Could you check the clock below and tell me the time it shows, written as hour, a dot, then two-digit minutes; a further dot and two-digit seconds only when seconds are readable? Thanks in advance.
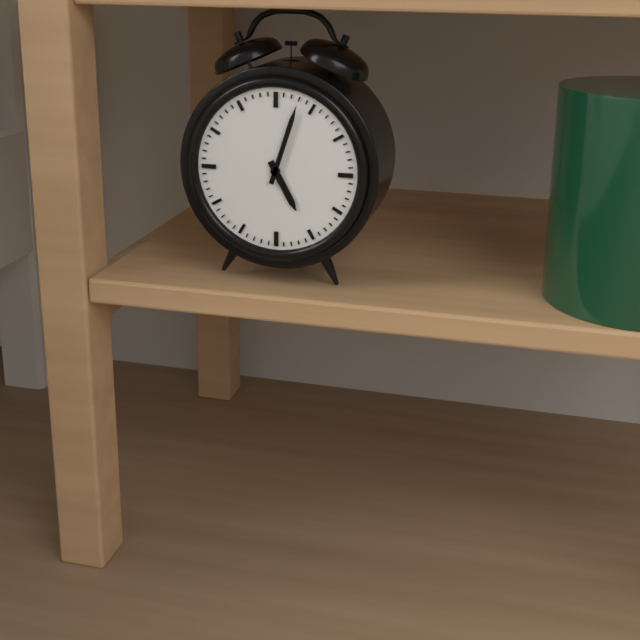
5.03
